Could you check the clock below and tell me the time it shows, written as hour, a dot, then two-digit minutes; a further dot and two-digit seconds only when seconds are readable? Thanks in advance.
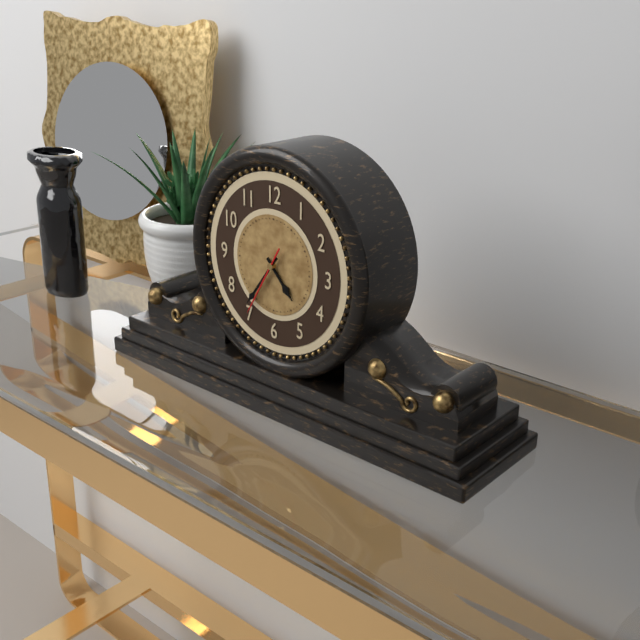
4.36.35
